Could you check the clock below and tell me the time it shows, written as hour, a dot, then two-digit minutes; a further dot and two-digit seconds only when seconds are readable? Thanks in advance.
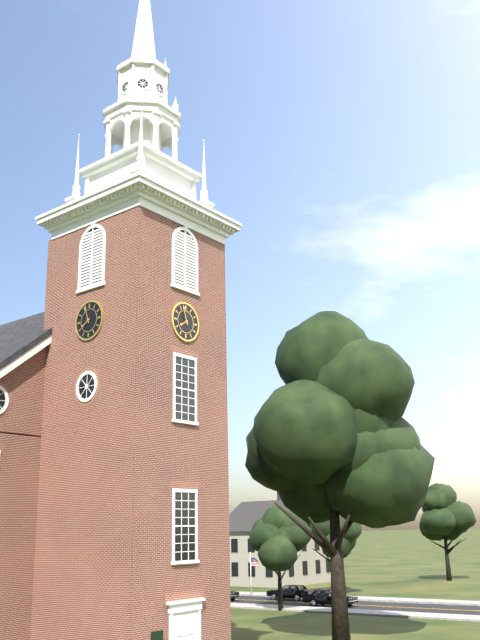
7.57
